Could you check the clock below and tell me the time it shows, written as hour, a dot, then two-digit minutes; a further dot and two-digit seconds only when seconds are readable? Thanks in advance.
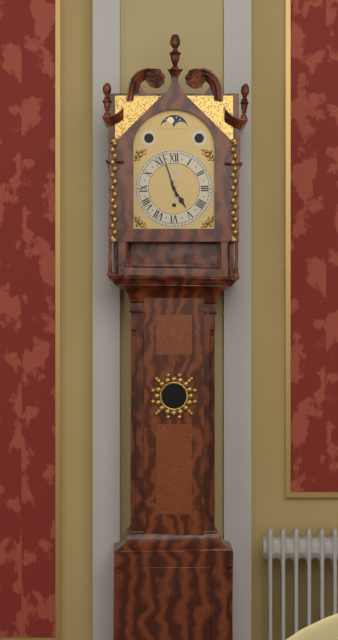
4.57
